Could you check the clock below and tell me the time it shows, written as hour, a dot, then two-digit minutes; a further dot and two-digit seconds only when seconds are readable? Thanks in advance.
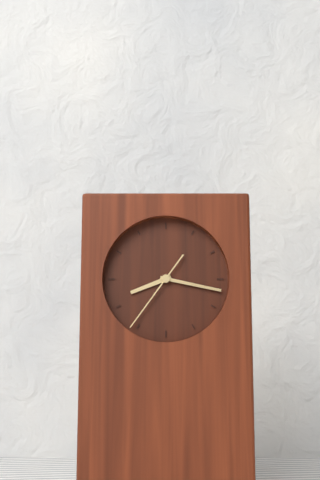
8.17.36
